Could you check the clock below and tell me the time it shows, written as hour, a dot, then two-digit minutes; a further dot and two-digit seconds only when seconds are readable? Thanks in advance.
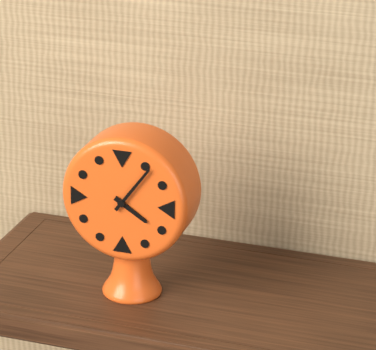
4.06
